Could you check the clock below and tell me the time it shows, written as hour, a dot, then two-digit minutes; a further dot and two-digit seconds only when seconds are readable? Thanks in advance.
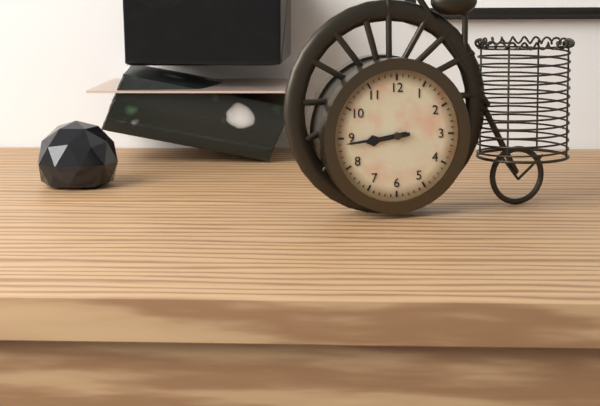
8.44
